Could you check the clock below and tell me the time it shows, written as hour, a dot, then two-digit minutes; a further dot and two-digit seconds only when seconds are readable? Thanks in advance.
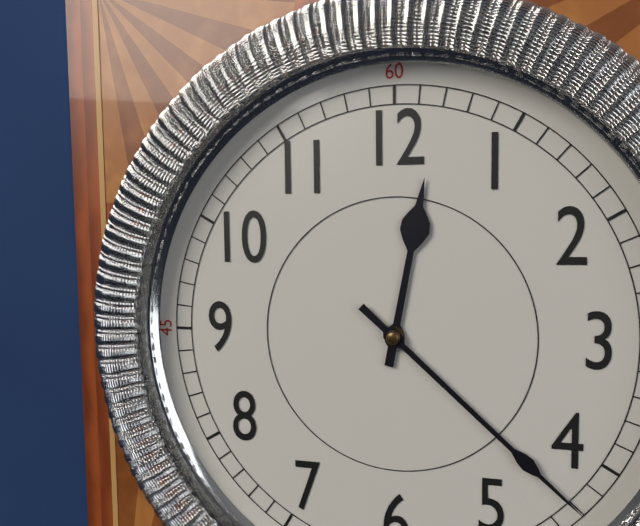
12.22
